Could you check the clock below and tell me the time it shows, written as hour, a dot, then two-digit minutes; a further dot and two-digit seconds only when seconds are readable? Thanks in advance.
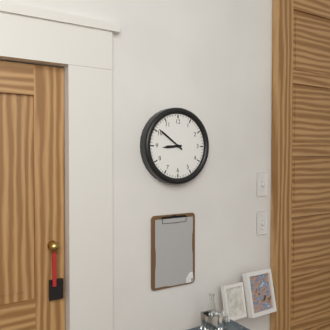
8.51
